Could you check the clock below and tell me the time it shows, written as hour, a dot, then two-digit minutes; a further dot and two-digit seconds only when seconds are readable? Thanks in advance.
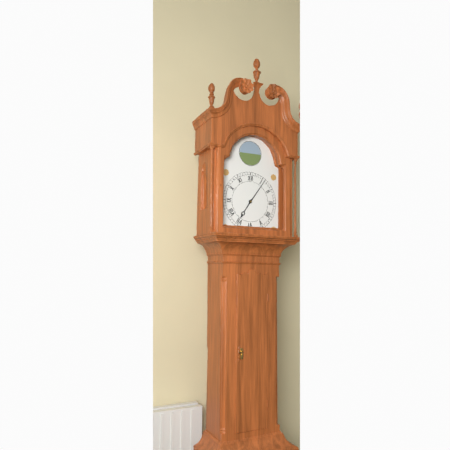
7.06
